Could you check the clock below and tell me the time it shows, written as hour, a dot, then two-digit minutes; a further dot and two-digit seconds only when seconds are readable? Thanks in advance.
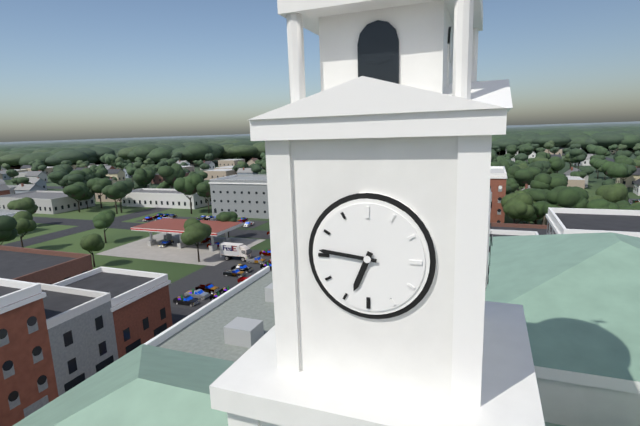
6.46
